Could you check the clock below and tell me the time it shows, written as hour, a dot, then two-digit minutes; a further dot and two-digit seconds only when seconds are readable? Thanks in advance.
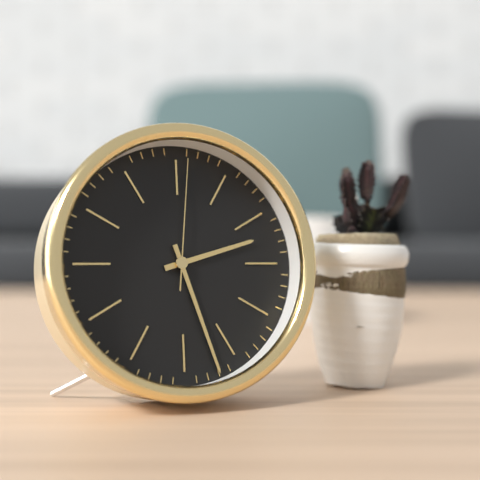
2.27.01
